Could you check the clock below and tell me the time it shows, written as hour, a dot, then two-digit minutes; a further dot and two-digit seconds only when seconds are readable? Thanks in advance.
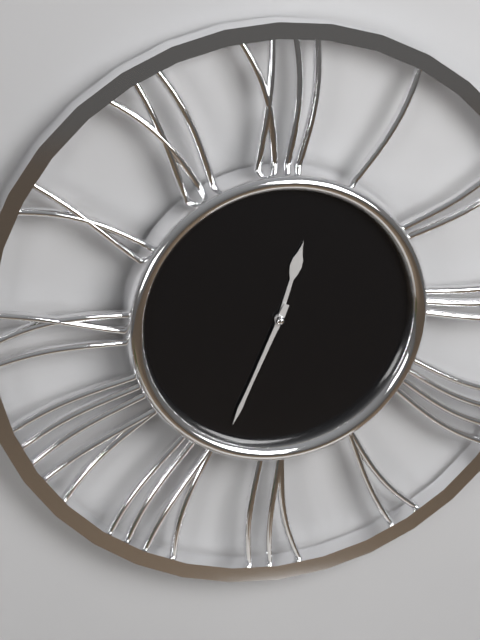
12.34
